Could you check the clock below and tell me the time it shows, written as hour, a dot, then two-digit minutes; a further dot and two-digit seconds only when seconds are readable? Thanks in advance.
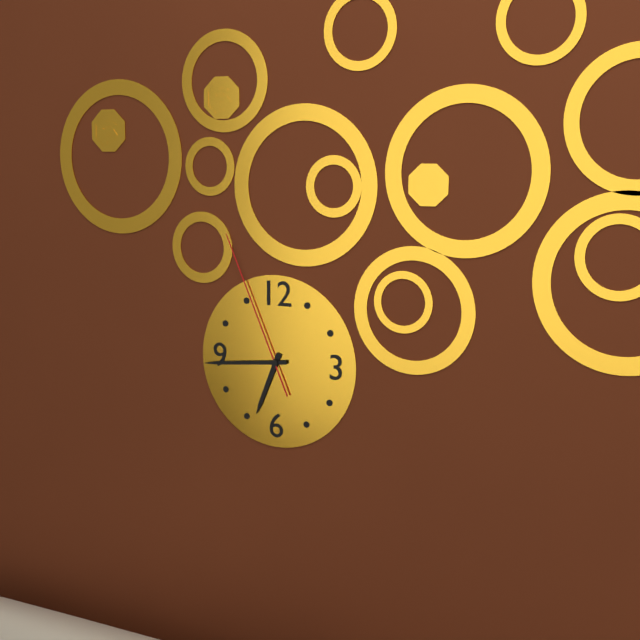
6.44.56
